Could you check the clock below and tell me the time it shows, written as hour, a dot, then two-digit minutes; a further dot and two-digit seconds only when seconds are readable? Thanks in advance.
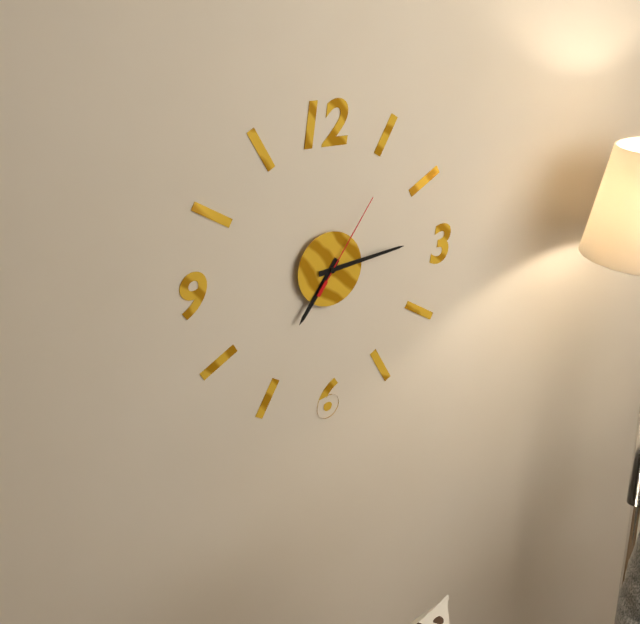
7.14.06
